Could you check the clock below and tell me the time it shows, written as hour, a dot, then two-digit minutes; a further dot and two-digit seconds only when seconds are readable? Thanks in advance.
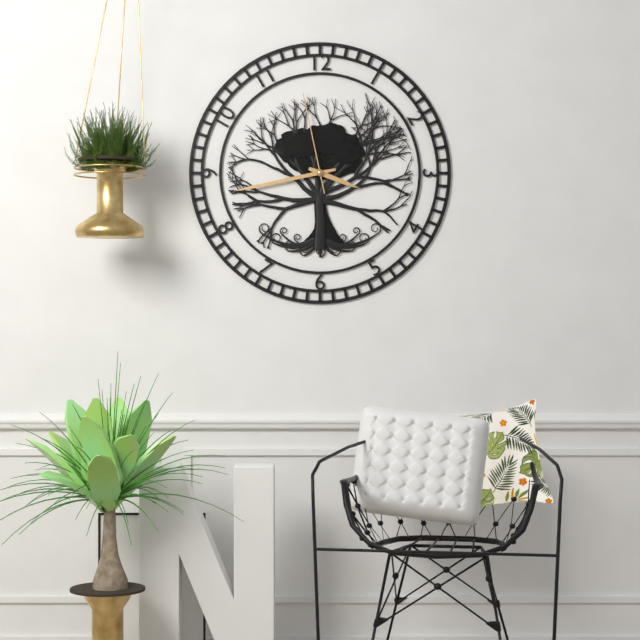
3.43.58
